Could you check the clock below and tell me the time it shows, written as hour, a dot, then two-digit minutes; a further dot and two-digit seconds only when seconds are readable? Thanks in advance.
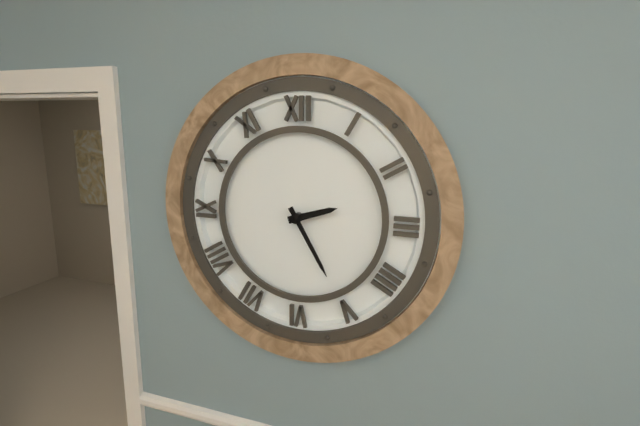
2.25
